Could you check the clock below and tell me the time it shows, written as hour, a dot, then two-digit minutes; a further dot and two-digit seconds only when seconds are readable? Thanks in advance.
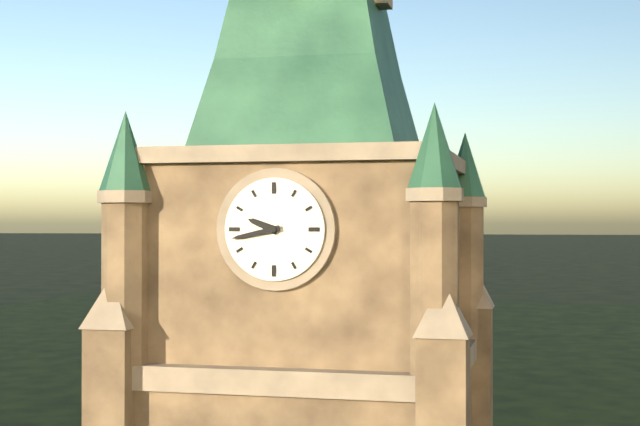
9.43
